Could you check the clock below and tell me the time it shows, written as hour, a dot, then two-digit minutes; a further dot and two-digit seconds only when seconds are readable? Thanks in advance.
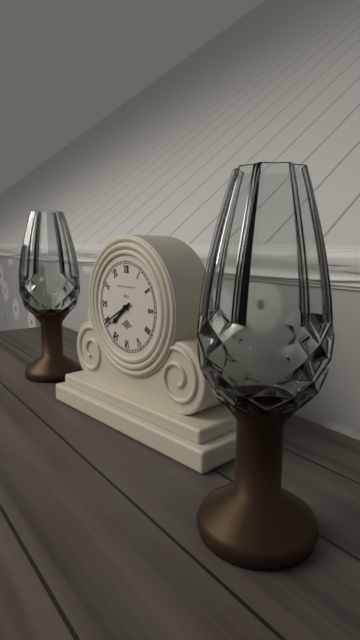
7.40
